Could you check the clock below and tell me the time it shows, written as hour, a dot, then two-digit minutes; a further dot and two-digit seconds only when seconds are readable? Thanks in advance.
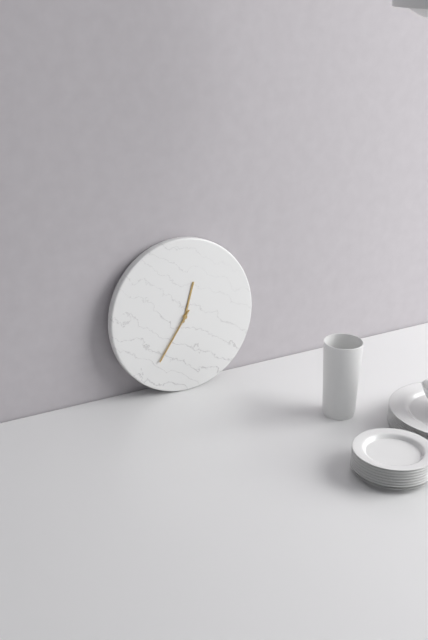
12.36
